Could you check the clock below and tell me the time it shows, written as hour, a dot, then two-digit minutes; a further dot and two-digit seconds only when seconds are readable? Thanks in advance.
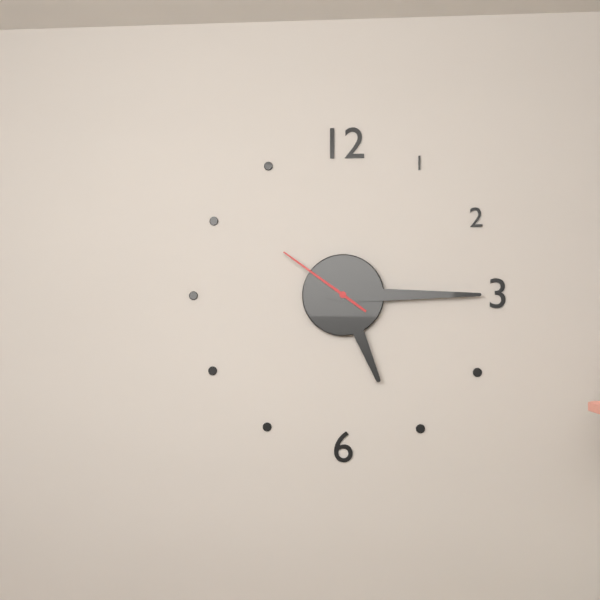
5.15.51
